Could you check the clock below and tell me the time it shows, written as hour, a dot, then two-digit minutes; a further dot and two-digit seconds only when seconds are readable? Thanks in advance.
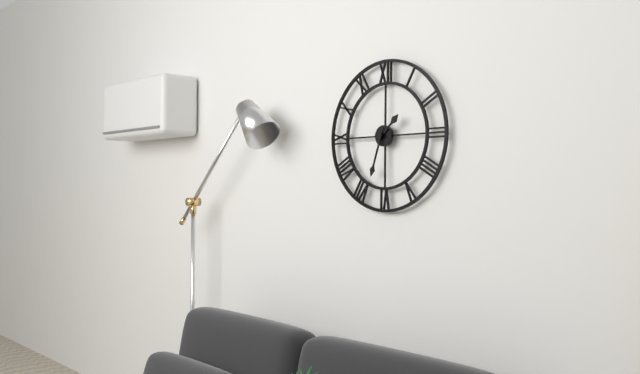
1.33
